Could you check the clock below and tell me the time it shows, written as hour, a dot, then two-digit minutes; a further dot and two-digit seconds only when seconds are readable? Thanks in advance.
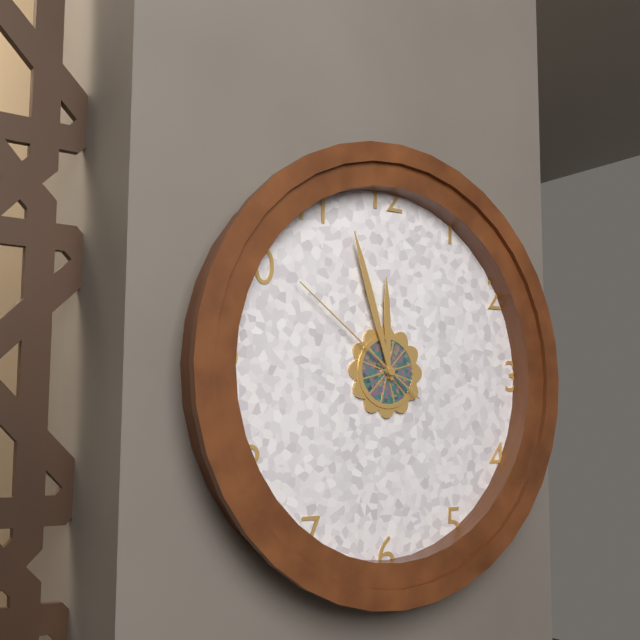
11.57.51
